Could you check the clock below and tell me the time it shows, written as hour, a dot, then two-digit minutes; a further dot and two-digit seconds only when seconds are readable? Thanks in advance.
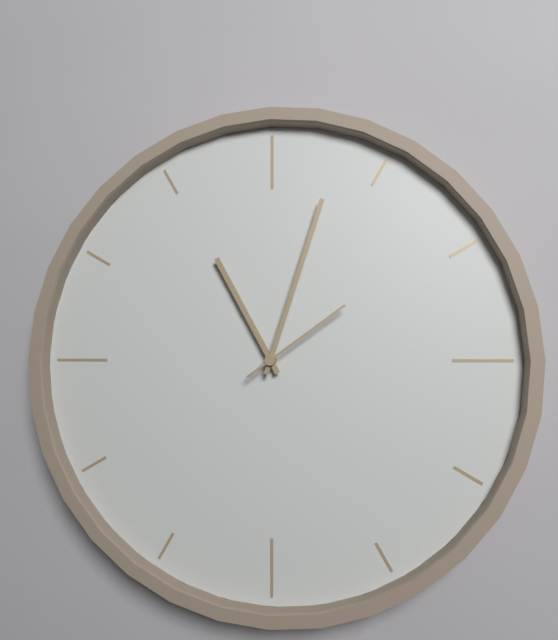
11.03.09
